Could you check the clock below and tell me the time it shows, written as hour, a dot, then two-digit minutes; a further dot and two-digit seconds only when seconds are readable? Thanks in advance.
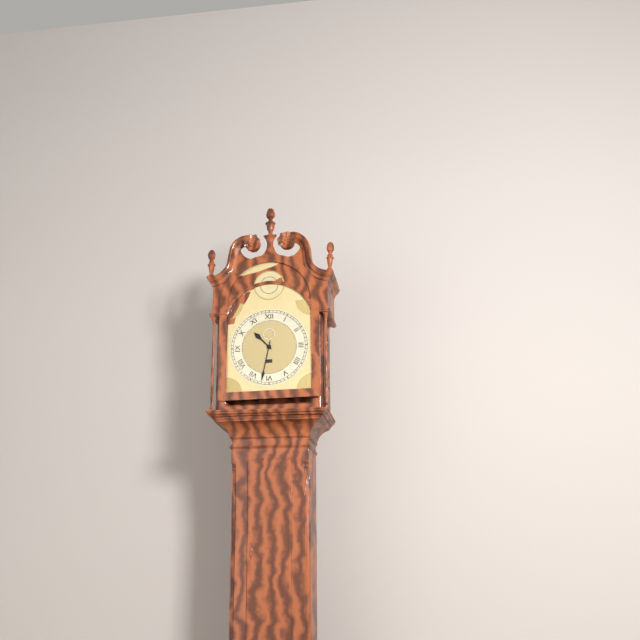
10.32
